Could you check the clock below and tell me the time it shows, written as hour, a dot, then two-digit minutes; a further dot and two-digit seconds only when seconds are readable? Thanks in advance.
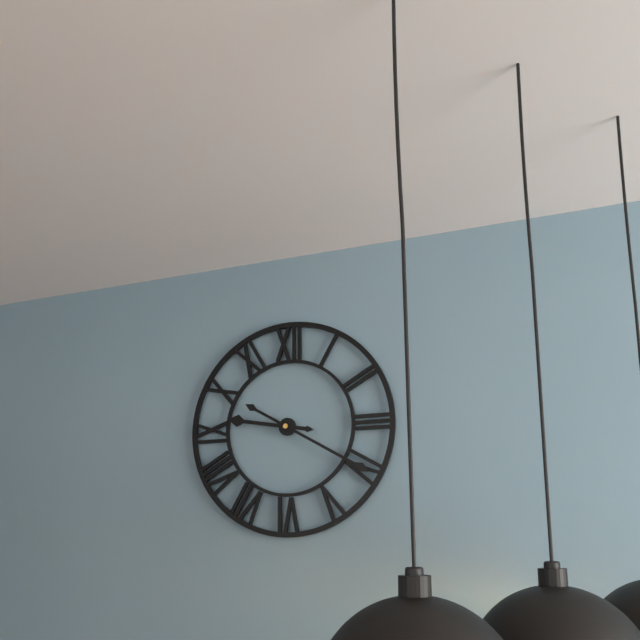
9.20
